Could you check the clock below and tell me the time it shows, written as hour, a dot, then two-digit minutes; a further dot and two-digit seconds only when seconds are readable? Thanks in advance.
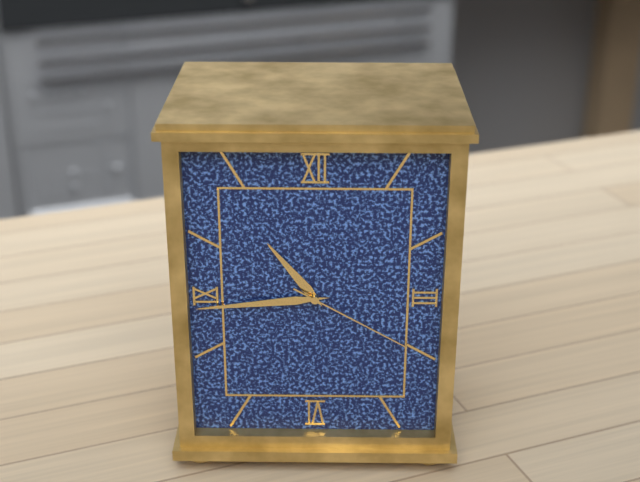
10.44.20
